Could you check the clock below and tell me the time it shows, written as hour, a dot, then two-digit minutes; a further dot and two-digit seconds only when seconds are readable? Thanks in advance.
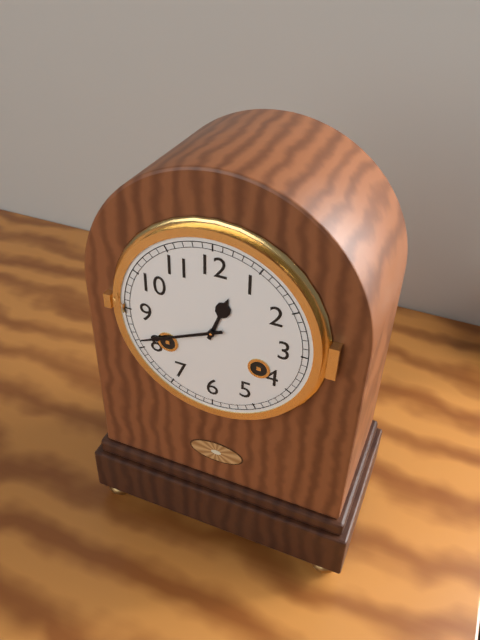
12.41
